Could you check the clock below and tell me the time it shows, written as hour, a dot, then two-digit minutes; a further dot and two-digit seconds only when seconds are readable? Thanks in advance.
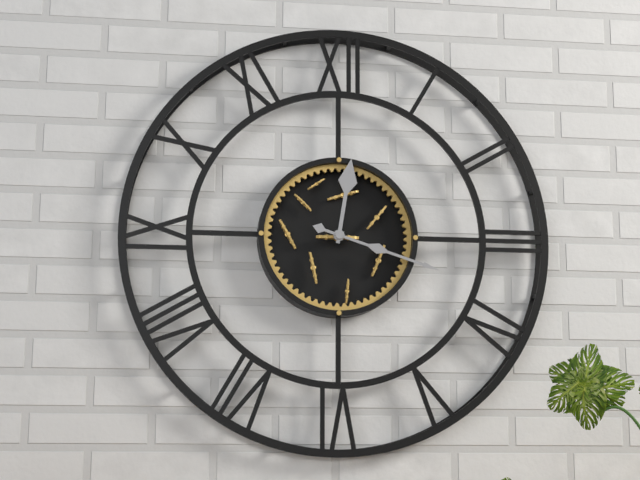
12.18
